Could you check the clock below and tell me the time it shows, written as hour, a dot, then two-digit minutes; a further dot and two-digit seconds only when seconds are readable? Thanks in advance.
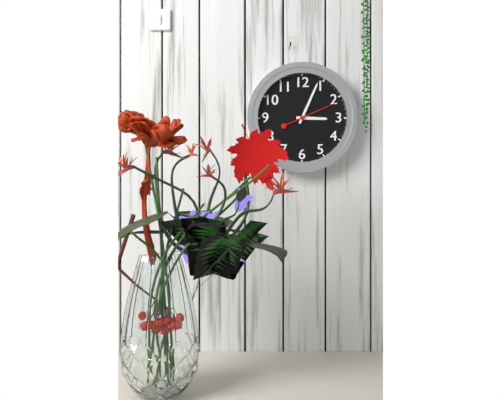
3.04
